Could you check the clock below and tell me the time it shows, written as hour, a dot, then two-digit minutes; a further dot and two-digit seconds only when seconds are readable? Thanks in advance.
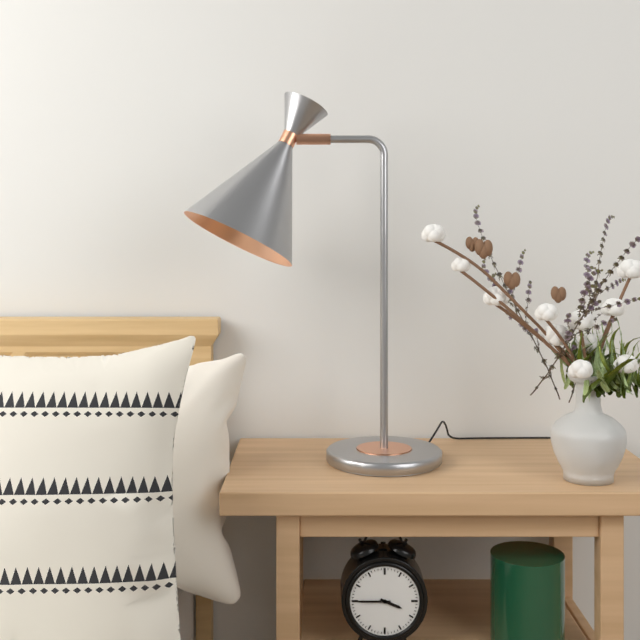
3.45
